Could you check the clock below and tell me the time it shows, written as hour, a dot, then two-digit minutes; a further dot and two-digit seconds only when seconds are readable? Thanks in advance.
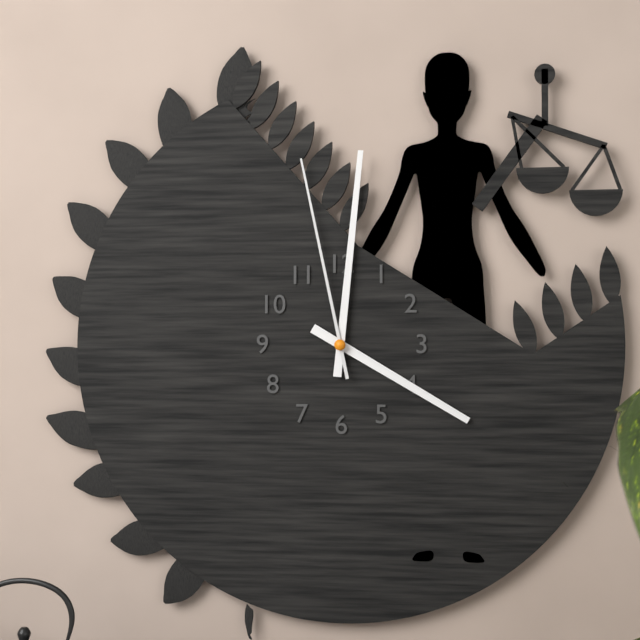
4.01.58
